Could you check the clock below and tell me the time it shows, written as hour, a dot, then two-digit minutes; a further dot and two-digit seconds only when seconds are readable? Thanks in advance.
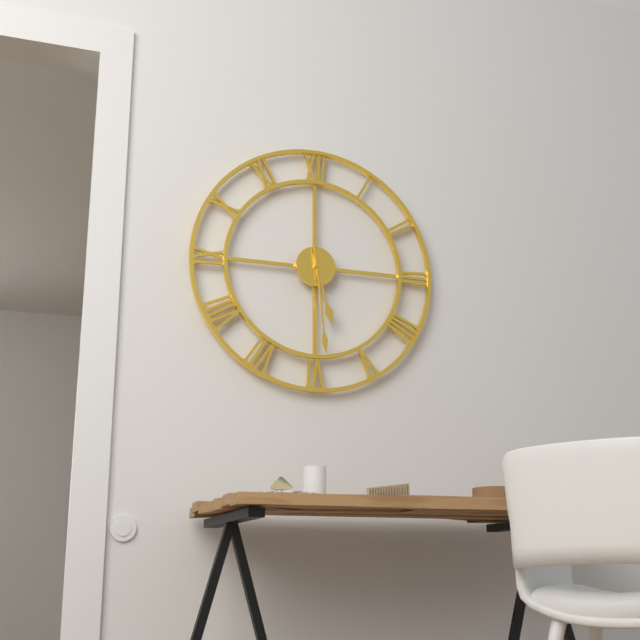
5.29
